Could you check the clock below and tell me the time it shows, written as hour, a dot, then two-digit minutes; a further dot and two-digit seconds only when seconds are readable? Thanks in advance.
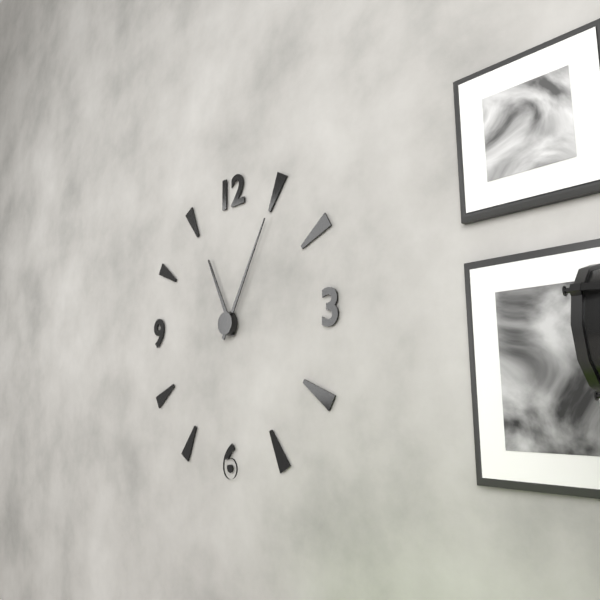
11.05
